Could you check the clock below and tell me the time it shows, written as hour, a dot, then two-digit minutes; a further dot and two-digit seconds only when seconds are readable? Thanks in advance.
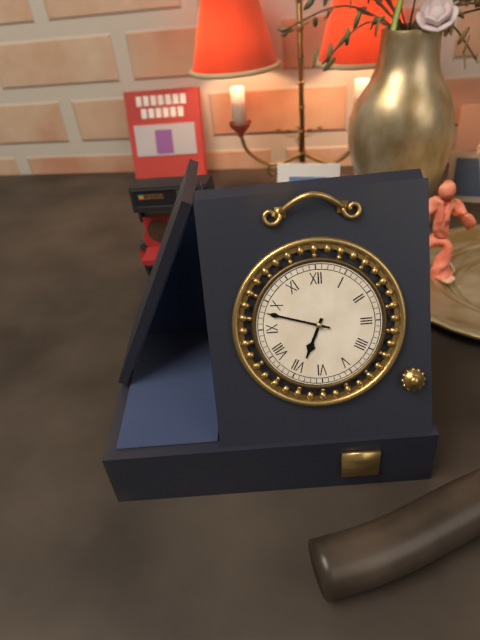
6.48
